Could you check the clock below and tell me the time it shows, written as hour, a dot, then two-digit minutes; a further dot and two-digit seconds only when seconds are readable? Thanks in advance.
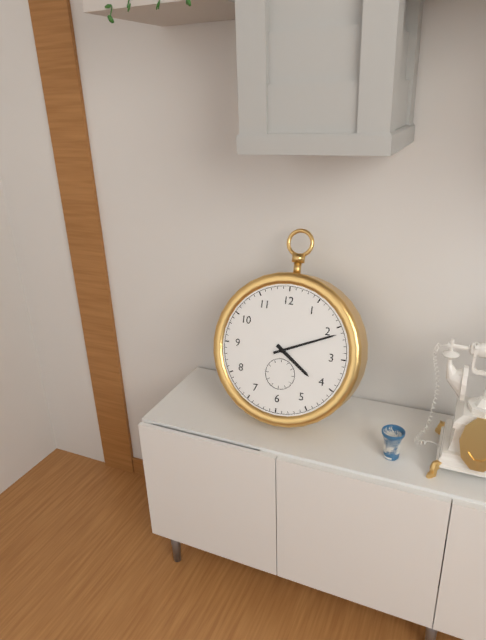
4.11
